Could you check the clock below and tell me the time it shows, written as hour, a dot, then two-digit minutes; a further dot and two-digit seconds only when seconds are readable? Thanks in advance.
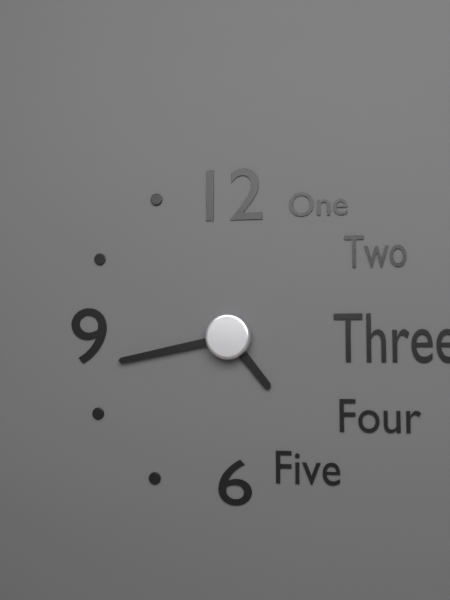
4.43
